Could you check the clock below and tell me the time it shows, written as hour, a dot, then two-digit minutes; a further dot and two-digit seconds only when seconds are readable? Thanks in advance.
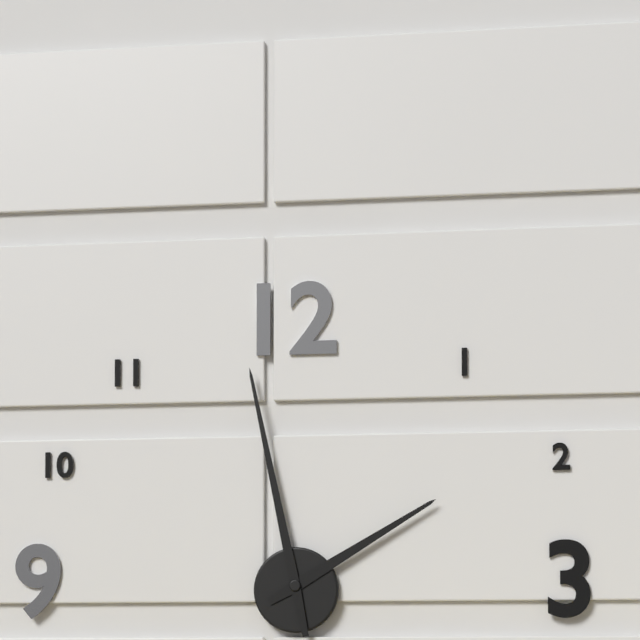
1.58
